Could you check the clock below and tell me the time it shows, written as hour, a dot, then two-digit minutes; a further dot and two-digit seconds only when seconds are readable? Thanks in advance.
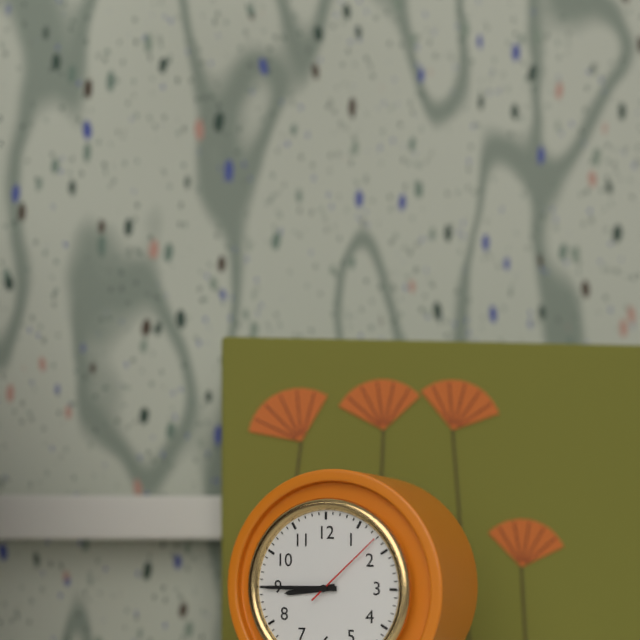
8.45.08
